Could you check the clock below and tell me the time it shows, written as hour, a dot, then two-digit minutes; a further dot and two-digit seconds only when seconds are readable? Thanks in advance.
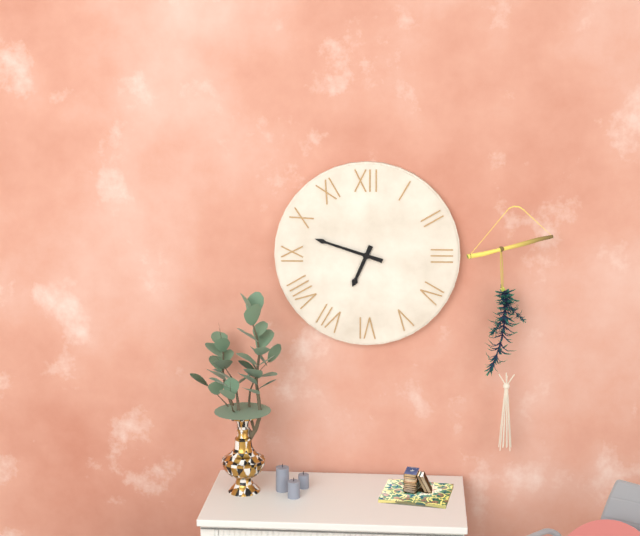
6.48
